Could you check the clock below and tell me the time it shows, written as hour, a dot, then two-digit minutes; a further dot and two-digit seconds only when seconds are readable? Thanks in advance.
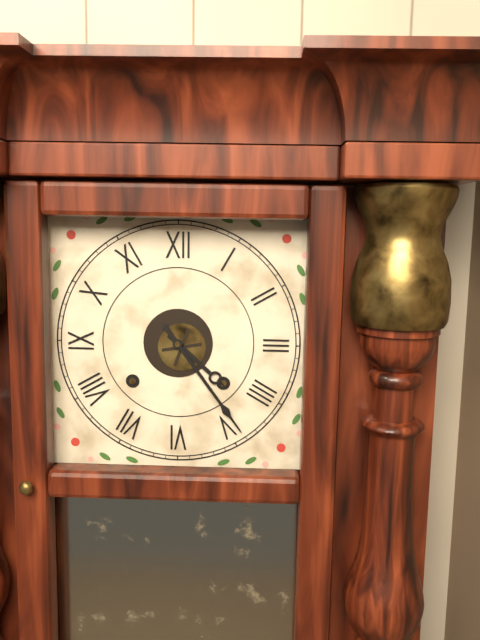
4.24
